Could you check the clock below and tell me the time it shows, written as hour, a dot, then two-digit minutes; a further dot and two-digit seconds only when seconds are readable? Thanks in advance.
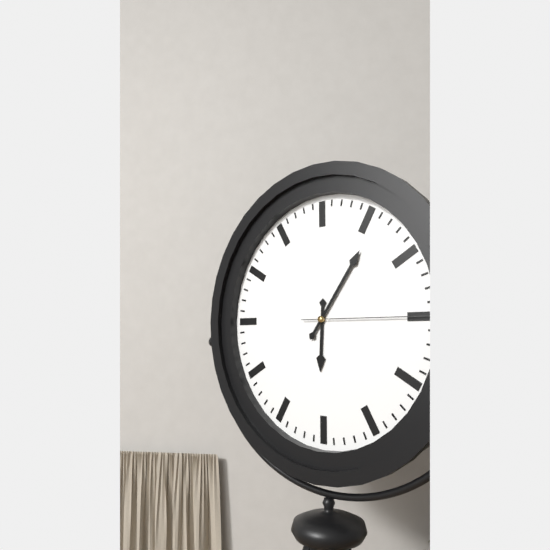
6.06.15
